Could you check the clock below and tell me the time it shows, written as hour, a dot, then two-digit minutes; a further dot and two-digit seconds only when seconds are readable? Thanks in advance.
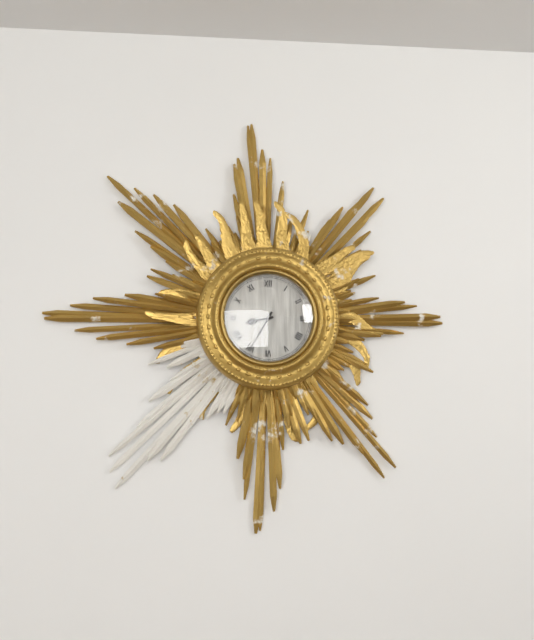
8.35
